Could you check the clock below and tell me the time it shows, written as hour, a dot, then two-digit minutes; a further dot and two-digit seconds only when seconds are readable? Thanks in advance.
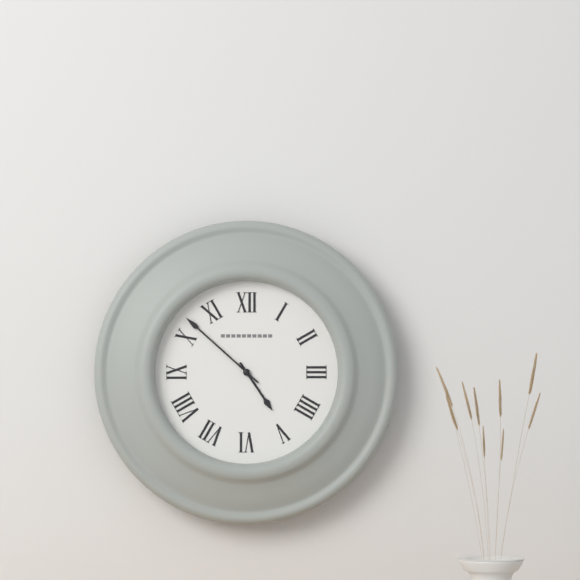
4.52
